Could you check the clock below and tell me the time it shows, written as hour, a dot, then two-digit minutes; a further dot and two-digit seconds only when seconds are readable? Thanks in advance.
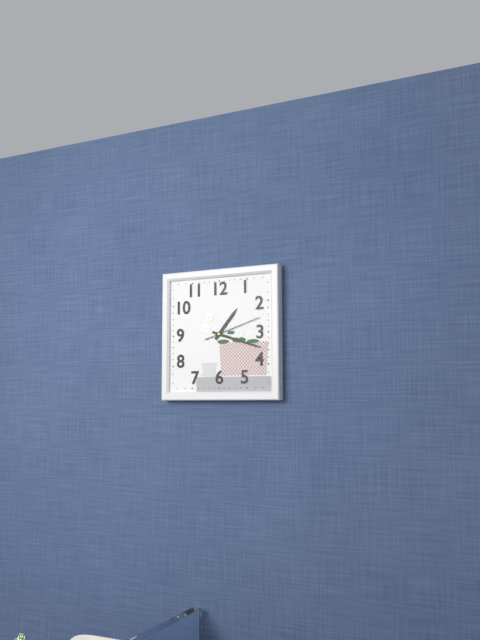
1.18.12
